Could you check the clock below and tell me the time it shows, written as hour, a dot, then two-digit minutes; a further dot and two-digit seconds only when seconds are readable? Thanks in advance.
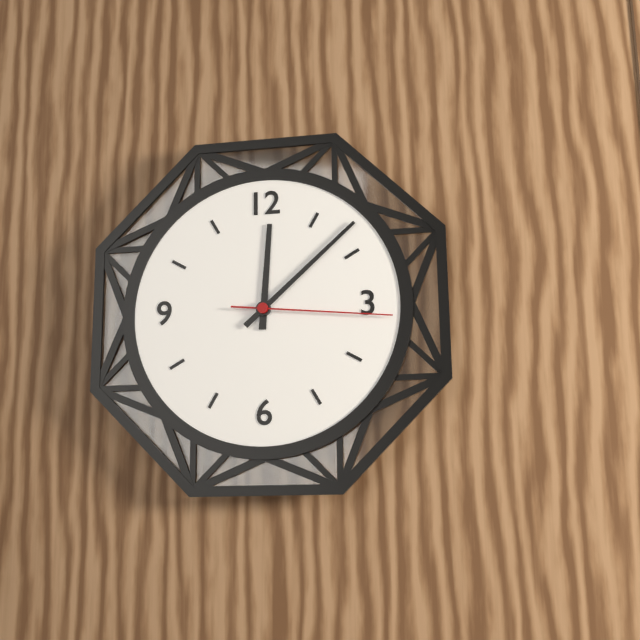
12.08.16
